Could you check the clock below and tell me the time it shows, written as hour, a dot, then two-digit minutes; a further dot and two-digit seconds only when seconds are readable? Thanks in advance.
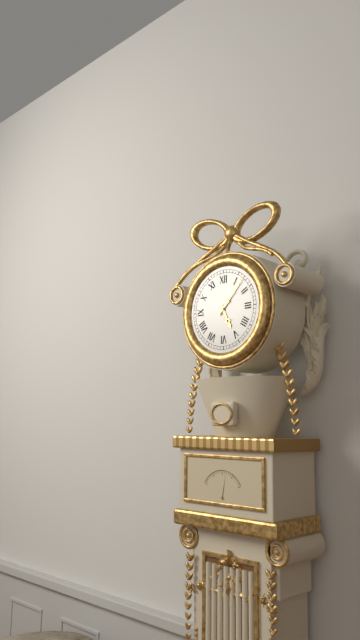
5.07
